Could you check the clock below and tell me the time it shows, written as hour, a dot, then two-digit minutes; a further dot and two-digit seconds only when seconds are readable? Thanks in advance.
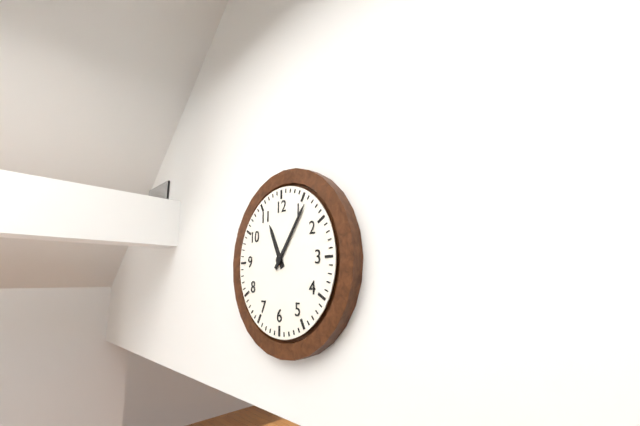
11.06
